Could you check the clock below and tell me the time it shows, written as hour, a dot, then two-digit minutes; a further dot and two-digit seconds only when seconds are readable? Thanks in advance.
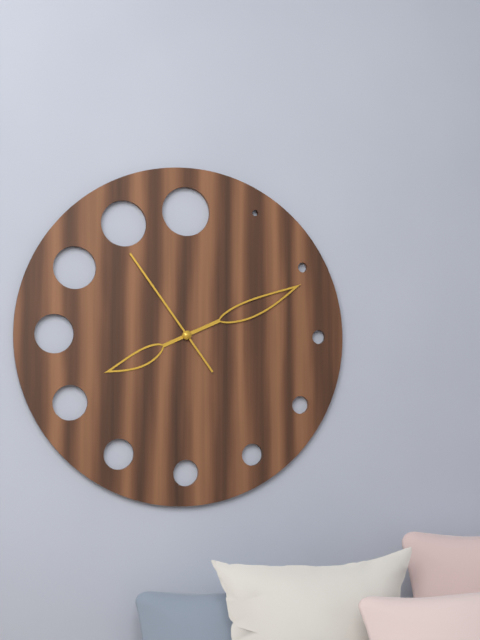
8.11.54
